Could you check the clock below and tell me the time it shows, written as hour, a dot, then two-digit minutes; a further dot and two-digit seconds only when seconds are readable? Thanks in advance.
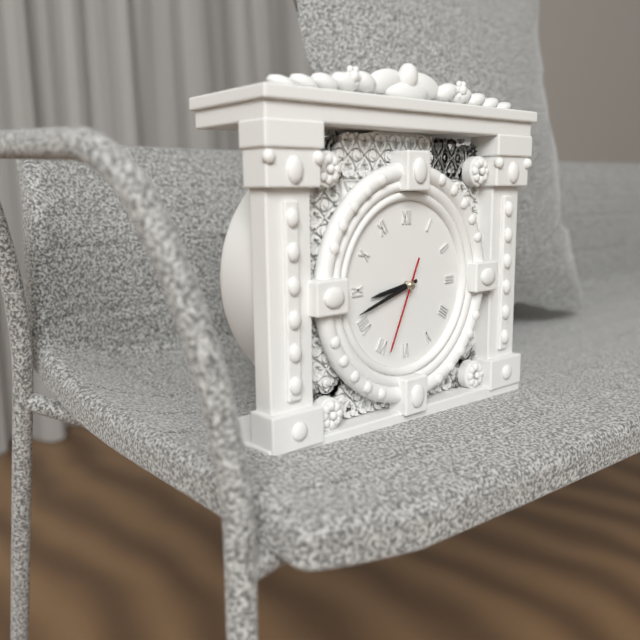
8.42.34
